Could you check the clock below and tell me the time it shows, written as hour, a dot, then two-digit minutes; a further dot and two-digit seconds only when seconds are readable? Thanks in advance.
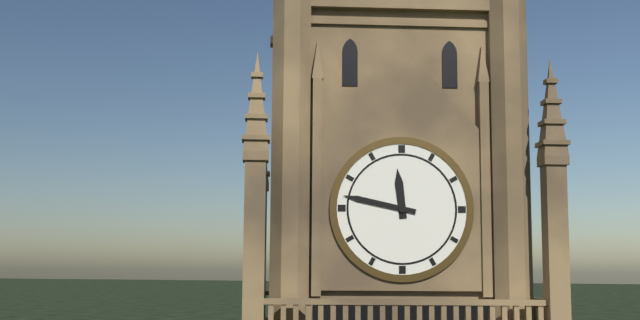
11.47
